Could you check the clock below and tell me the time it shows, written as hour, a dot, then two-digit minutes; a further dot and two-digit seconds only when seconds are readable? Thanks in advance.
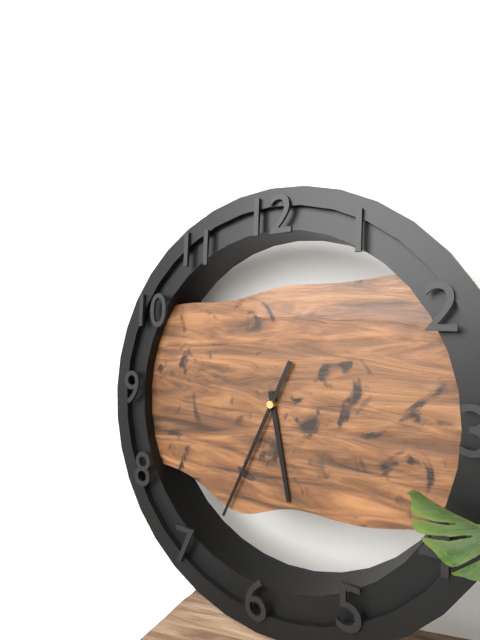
5.34
